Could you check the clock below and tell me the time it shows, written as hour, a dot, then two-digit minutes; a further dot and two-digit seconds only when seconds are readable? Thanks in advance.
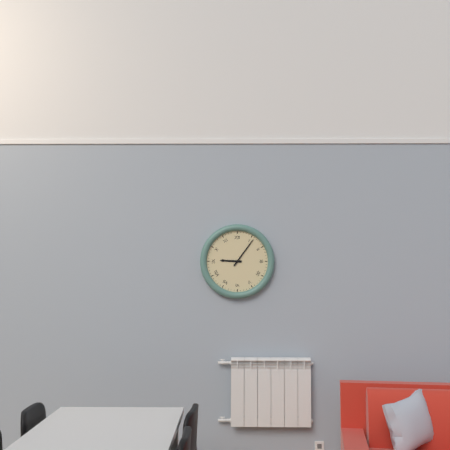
9.06
